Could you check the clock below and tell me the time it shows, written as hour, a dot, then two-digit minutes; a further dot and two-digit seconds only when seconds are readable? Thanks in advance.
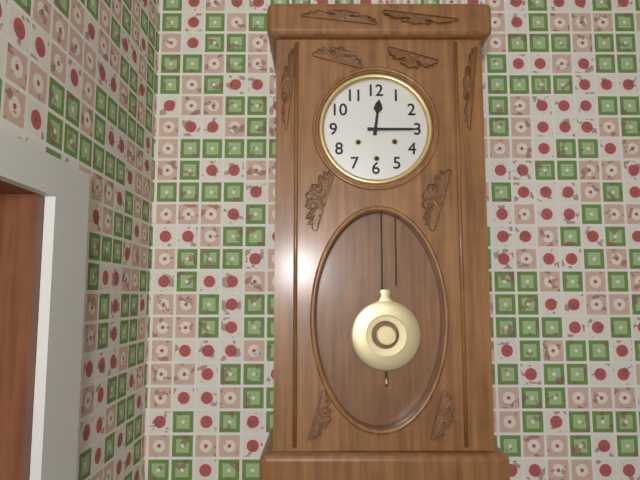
12.15
